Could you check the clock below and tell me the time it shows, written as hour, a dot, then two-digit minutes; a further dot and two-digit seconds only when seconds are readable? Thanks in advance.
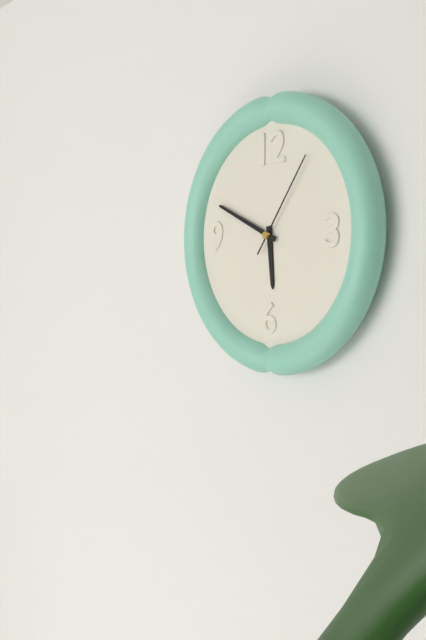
5.49.06
